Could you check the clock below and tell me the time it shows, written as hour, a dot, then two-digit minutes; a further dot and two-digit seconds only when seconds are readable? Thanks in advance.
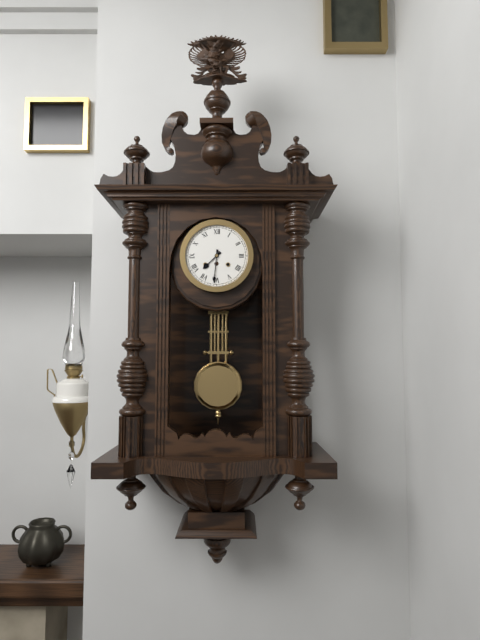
7.31
